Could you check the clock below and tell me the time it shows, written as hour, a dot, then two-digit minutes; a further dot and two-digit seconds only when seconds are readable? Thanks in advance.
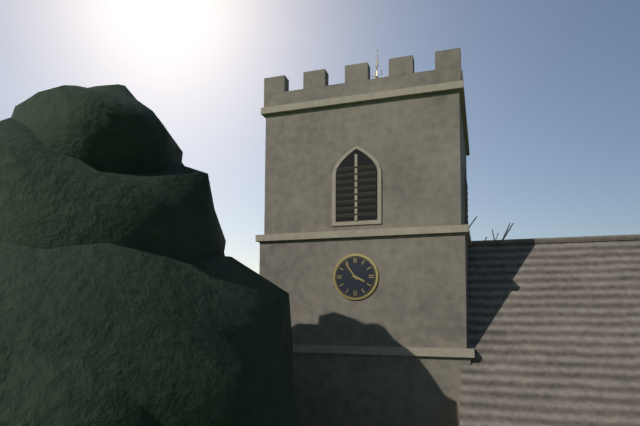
3.54
